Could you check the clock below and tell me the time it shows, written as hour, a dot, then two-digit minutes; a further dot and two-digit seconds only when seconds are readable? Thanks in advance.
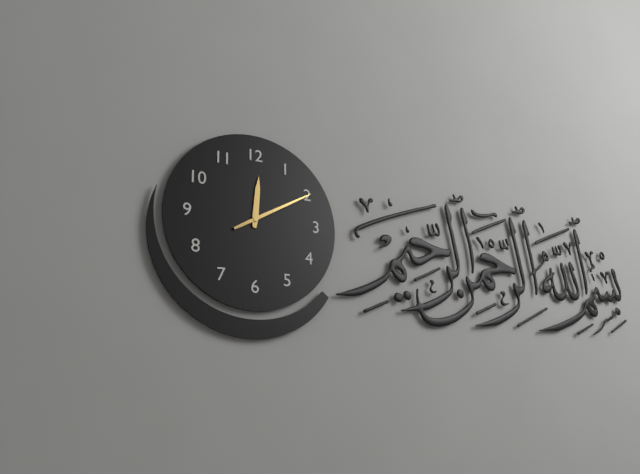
12.10
